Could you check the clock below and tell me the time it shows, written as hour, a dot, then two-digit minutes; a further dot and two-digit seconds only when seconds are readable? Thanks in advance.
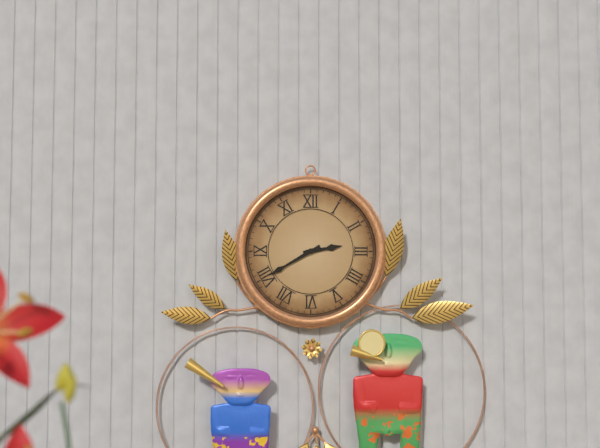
2.40
